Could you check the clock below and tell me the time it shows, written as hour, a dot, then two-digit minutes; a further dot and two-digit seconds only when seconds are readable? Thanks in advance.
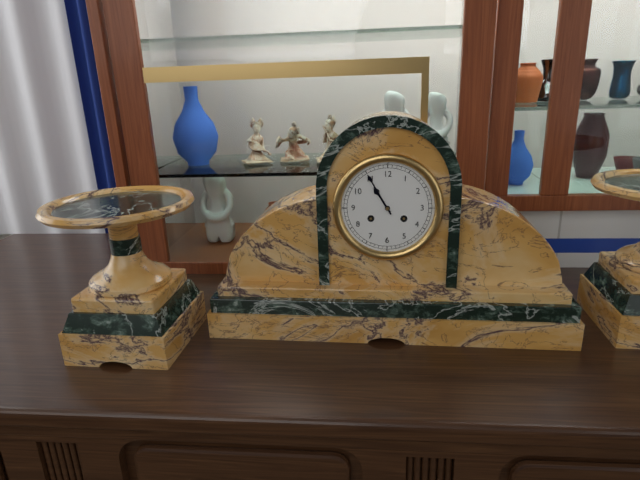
10.55
